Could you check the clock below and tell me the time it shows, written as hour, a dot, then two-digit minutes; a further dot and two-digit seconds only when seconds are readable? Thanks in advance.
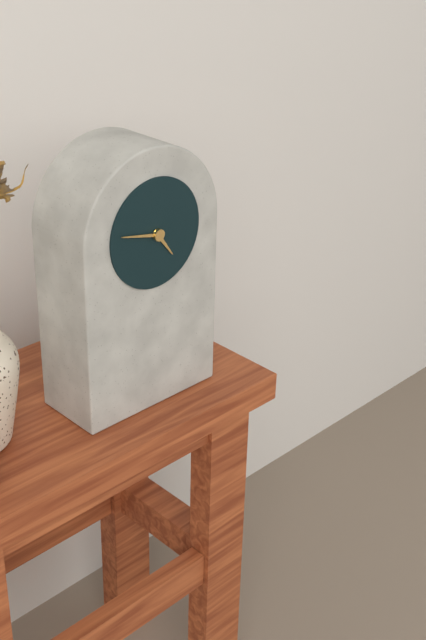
4.47
